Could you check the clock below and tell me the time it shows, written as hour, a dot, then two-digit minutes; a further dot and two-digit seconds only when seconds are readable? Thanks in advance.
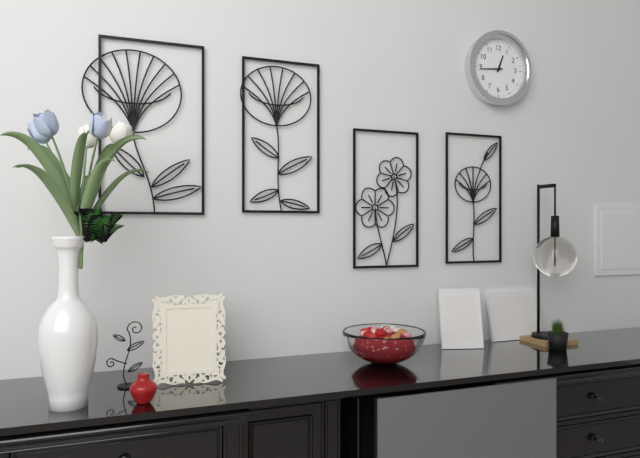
12.44
